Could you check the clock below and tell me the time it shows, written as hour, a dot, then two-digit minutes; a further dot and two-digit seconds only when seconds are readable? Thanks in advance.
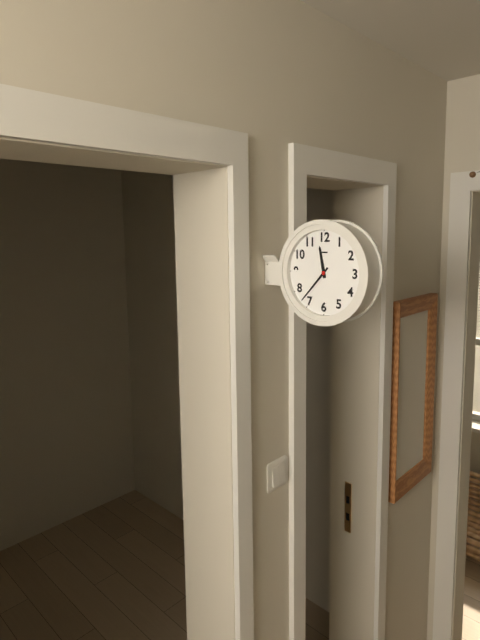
11.37
